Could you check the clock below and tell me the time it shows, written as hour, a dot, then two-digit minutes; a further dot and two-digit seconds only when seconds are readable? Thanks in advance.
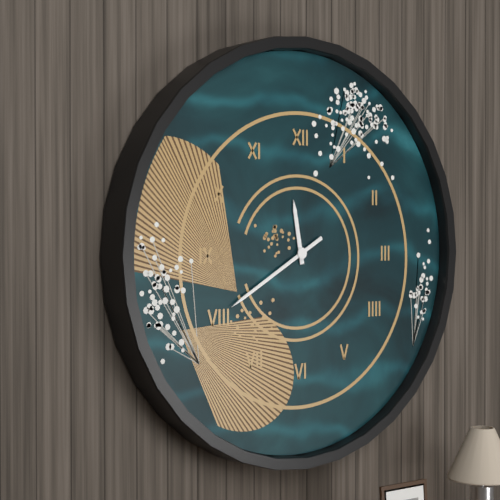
11.40
